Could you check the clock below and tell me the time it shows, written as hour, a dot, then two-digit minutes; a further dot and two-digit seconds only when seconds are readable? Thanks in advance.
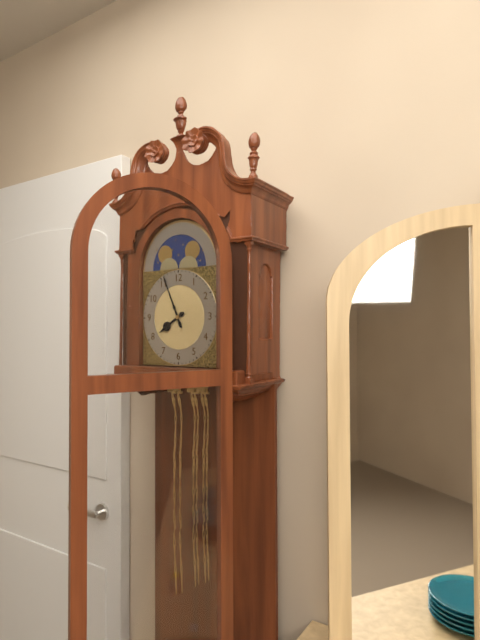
7.56
